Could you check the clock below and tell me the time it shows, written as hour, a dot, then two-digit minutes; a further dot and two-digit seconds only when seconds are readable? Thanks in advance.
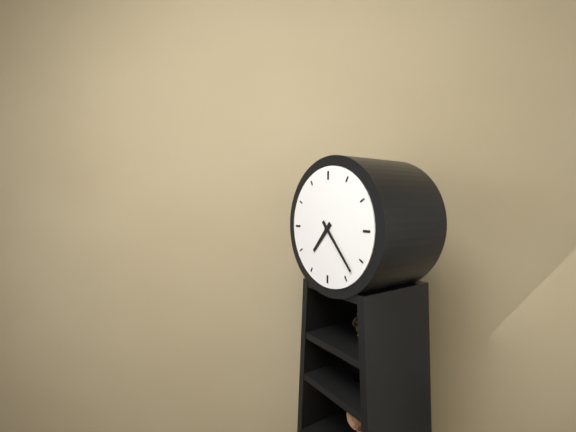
7.23
